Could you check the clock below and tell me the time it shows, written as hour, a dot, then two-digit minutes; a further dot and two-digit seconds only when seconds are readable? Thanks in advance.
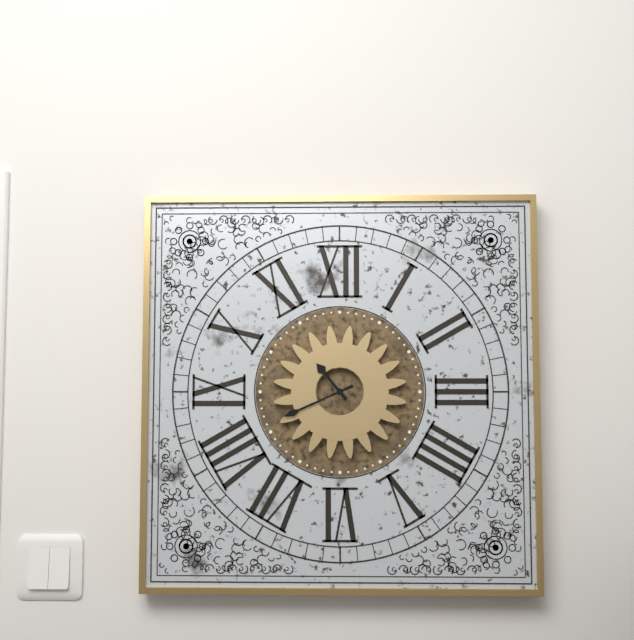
10.41
